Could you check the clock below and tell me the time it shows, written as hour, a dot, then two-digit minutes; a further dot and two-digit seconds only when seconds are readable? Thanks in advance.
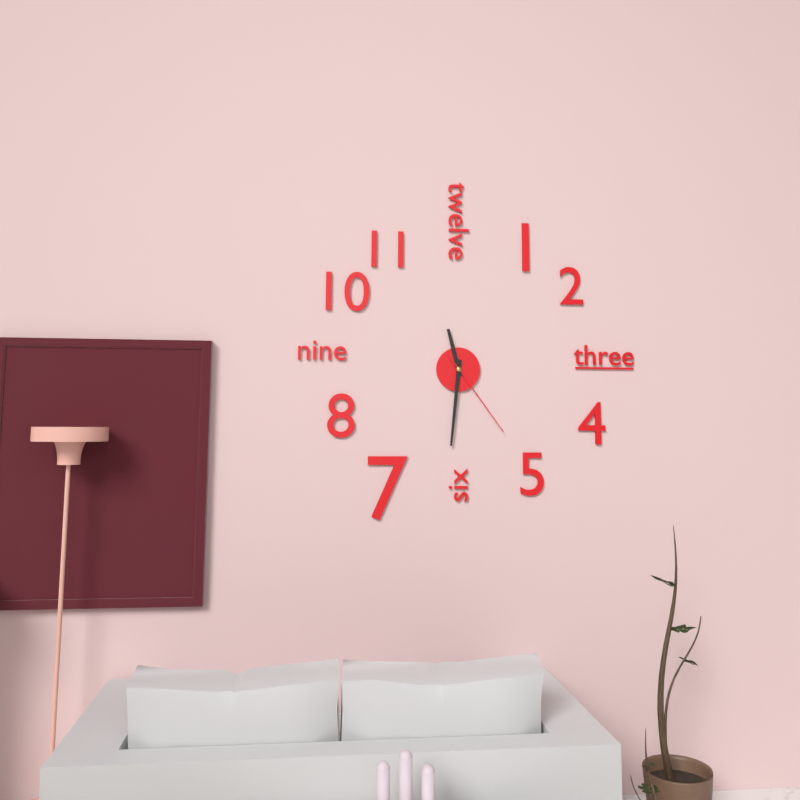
11.31.24
